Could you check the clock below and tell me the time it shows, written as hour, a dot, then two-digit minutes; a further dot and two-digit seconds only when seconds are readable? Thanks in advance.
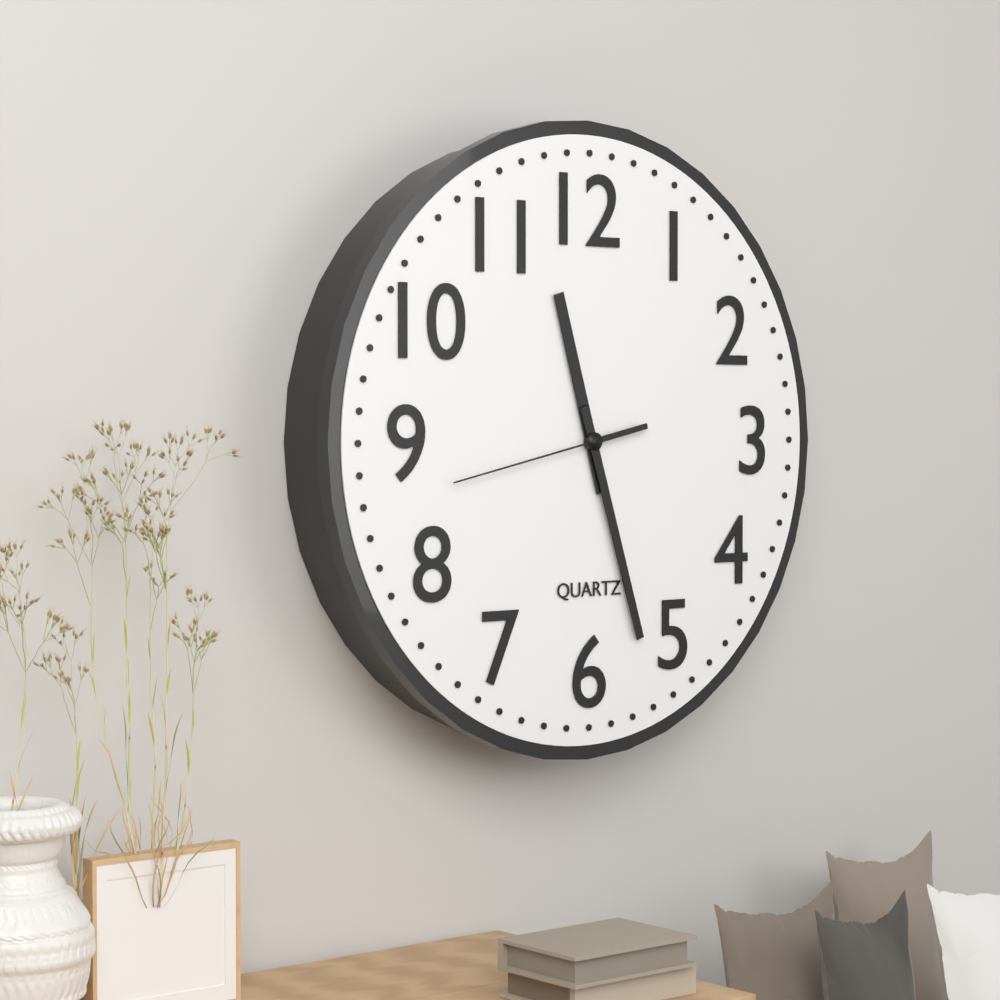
11.27.43
